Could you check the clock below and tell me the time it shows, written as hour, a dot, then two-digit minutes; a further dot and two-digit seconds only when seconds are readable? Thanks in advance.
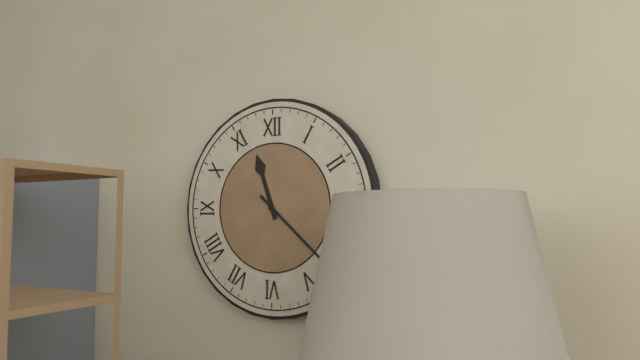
11.22
